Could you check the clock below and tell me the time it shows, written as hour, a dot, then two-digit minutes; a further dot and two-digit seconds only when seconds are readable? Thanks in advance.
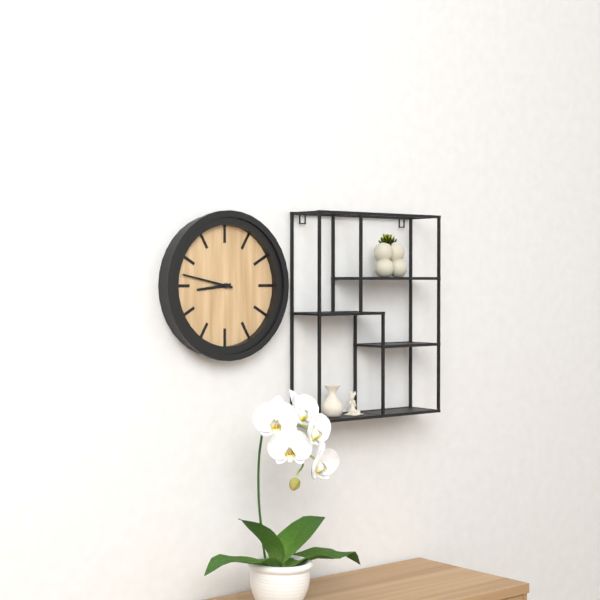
8.47
